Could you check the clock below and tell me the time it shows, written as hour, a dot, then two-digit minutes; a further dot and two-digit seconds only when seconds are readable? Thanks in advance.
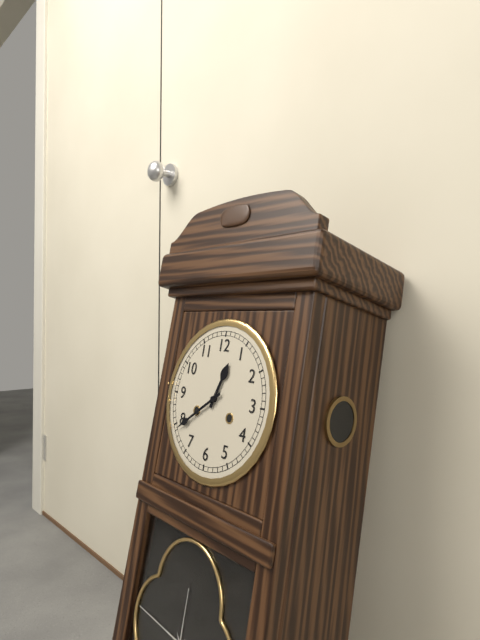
12.39
